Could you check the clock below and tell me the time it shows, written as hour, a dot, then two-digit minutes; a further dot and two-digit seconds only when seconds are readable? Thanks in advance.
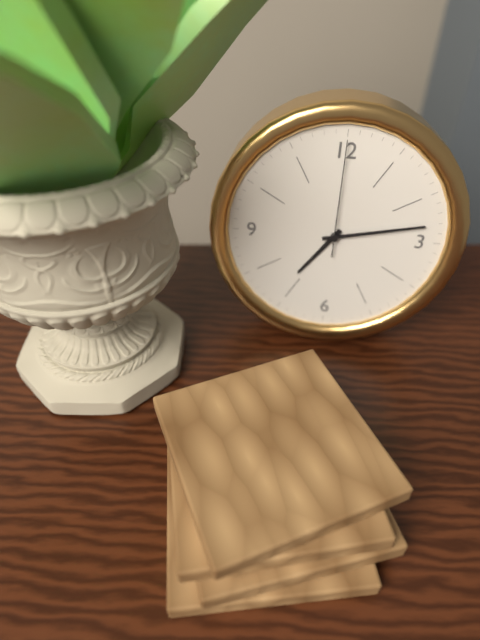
7.13.00
